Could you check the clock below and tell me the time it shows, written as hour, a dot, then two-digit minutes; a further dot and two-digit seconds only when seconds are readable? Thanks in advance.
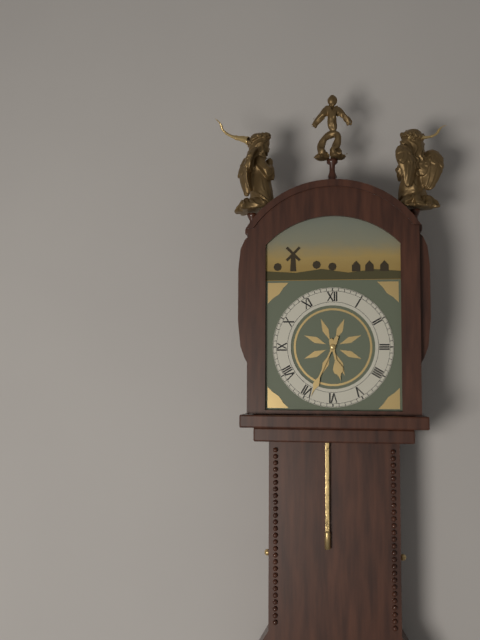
5.34
